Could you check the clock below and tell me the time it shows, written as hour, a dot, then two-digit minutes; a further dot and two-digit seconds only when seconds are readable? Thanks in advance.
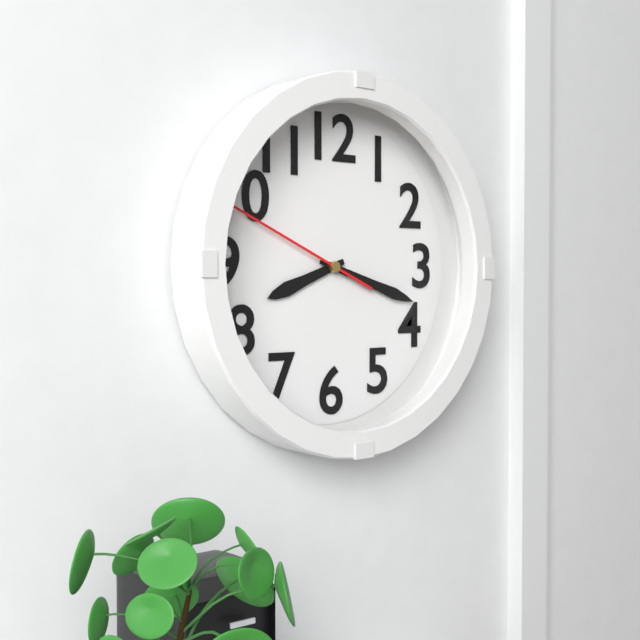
8.18.49
